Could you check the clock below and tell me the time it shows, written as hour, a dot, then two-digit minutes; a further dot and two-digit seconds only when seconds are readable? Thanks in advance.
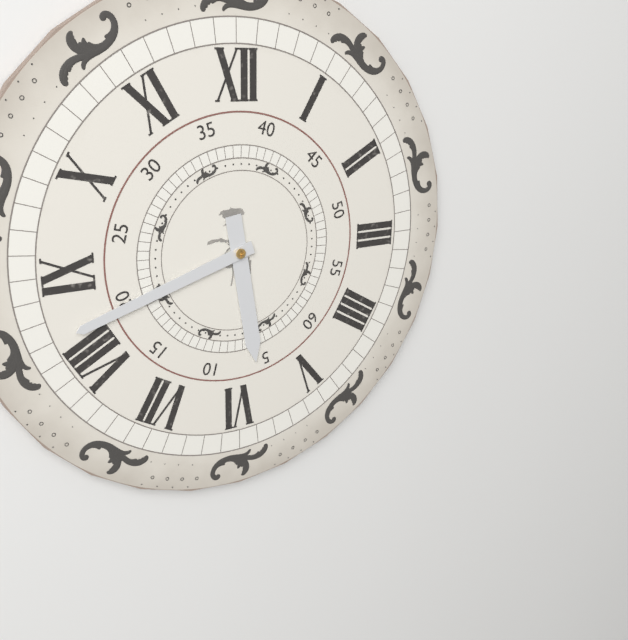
5.42
